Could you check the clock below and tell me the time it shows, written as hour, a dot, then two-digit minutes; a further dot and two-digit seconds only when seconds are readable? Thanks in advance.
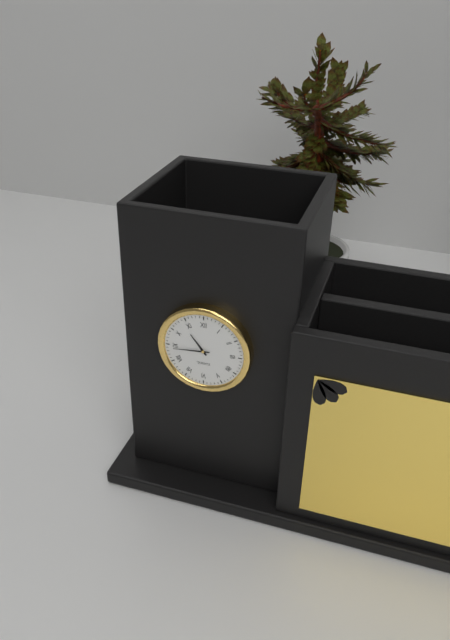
10.44
